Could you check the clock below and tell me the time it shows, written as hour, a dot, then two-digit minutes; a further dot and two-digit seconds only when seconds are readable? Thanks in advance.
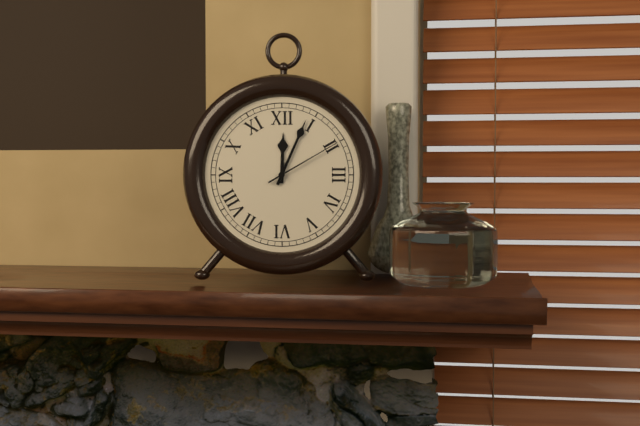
12.04.10
